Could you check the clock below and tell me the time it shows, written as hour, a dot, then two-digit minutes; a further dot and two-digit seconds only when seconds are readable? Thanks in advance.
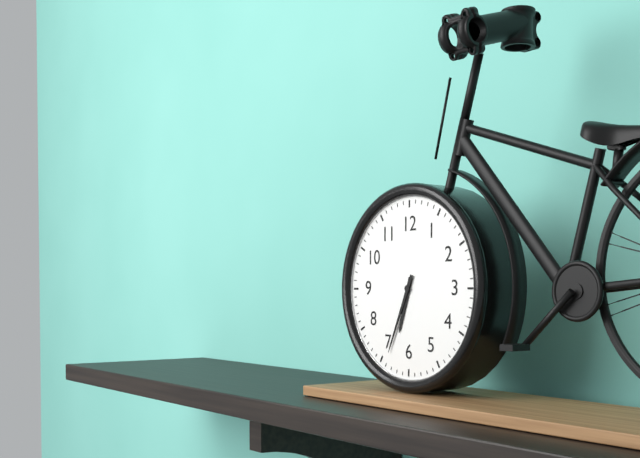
6.34
